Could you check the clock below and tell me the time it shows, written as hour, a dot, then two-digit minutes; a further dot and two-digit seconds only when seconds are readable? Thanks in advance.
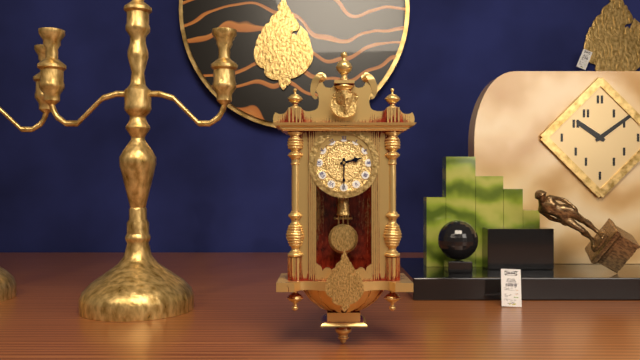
2.30
